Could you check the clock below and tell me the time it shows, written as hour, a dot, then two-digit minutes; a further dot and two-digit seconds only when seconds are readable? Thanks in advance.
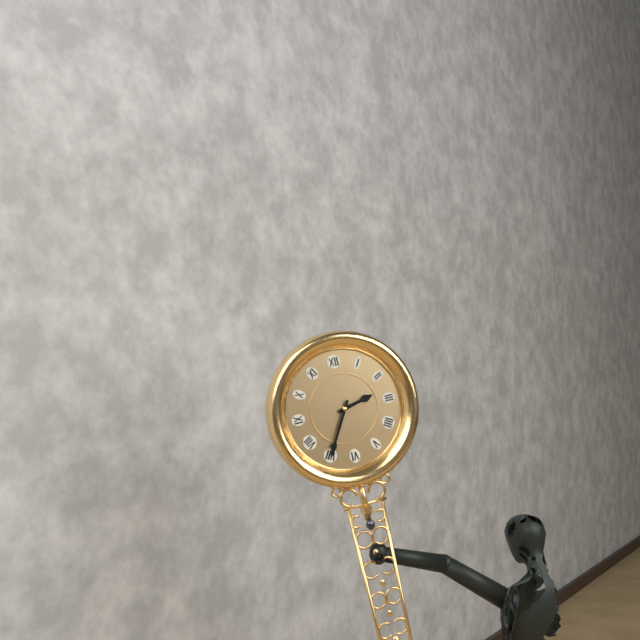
2.35
